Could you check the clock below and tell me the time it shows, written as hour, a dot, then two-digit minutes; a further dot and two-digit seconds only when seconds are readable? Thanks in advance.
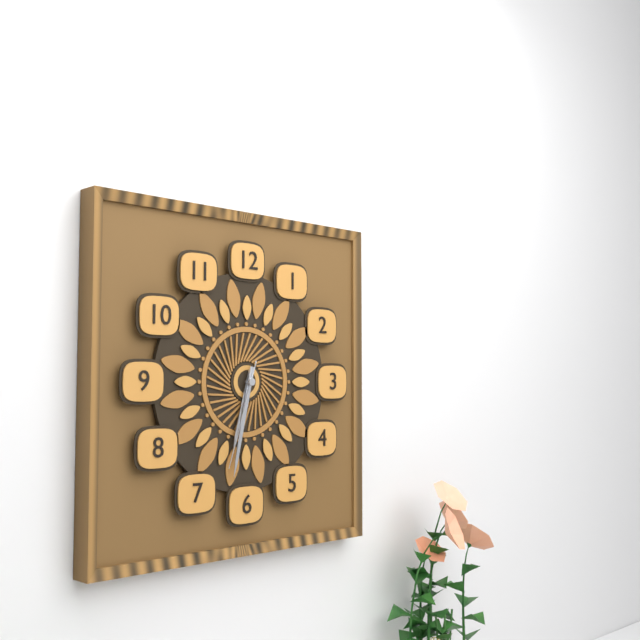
6.32.33
